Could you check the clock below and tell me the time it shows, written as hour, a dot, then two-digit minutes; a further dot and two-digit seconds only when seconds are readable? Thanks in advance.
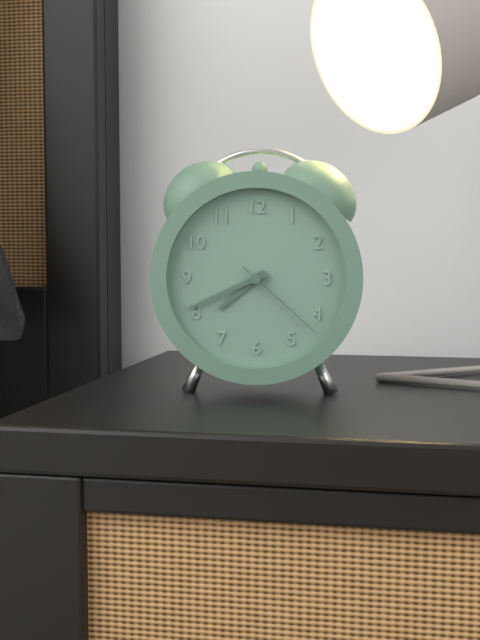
7.41.22
